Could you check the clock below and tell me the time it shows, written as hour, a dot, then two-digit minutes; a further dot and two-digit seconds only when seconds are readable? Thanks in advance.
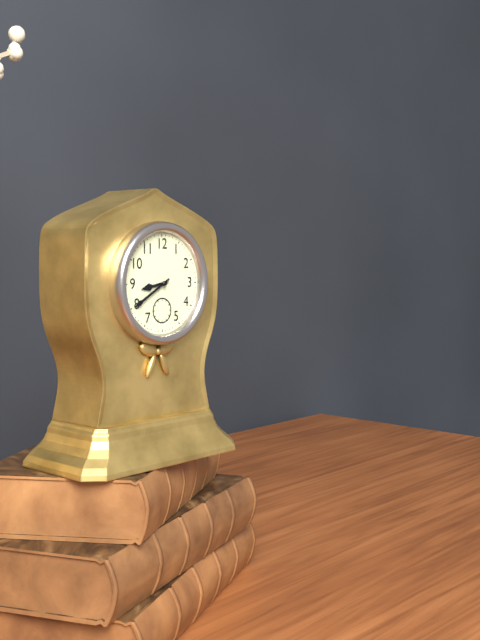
8.40
